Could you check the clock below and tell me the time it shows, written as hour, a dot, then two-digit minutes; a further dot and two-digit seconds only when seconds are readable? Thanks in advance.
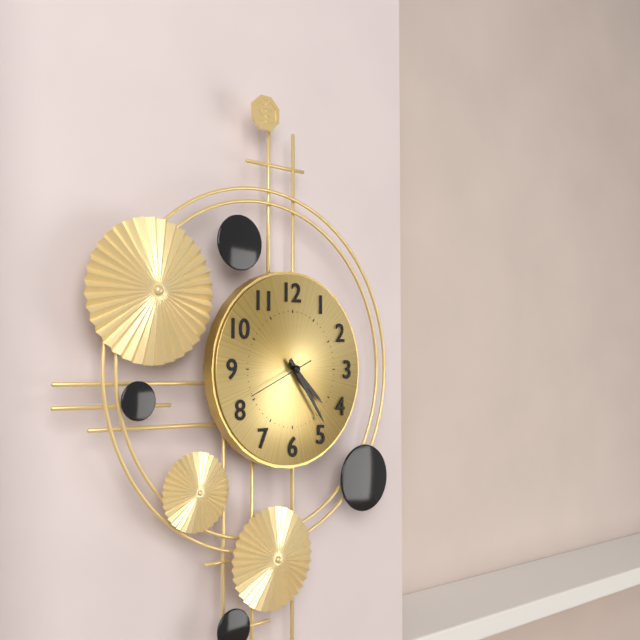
4.24.41
